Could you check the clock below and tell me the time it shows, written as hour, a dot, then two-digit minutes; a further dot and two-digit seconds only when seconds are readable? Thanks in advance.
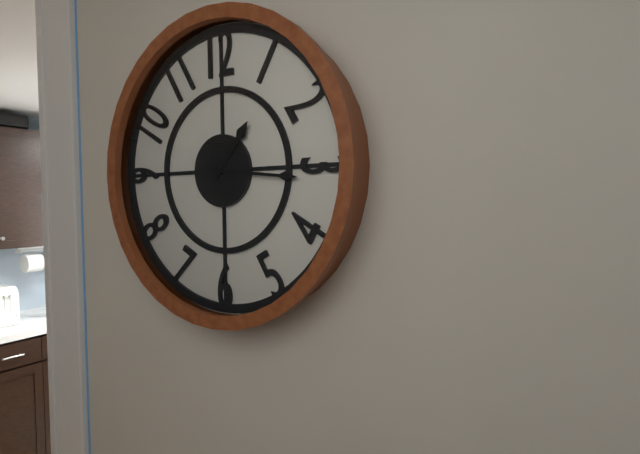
1.16
